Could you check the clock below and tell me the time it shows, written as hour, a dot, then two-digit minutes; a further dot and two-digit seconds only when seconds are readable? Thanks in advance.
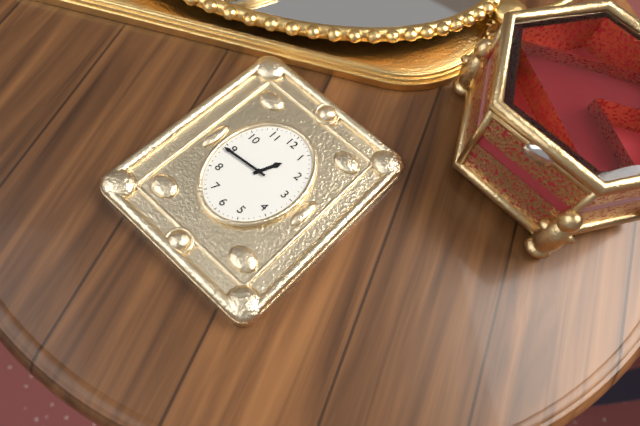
12.44
